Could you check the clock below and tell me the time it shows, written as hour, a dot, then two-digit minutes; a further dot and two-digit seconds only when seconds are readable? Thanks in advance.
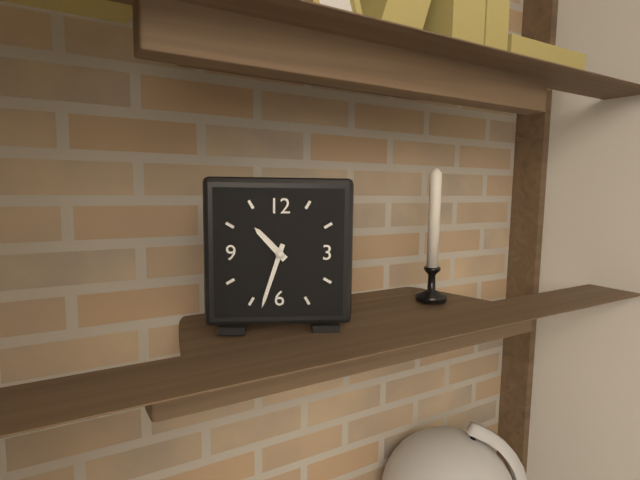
10.33
